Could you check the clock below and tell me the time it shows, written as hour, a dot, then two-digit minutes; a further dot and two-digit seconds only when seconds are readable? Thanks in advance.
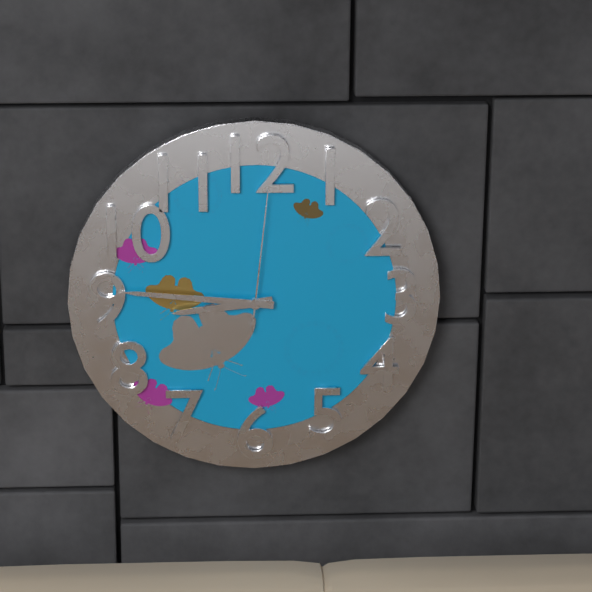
8.46.01
